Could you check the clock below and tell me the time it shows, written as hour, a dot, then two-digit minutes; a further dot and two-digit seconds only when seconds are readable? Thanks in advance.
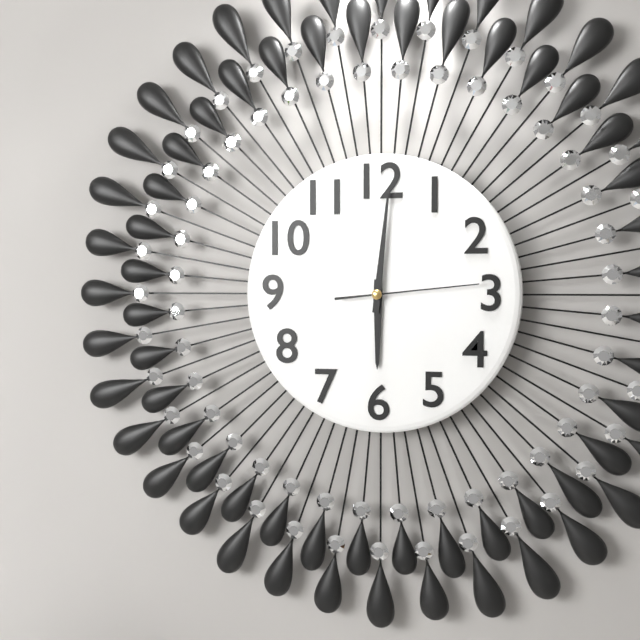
6.01.14
